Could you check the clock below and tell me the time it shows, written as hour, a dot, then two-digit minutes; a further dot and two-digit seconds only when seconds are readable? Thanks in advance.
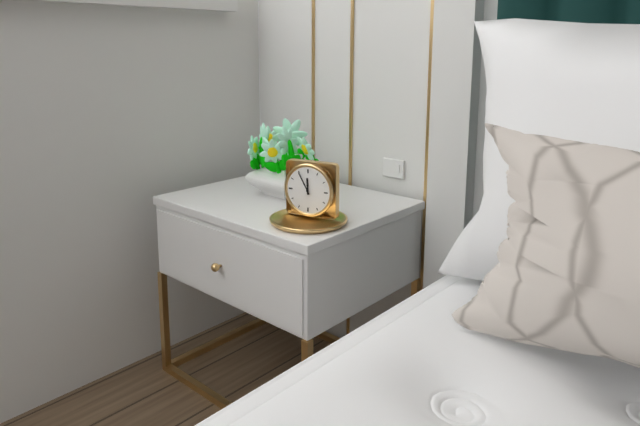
11.55
